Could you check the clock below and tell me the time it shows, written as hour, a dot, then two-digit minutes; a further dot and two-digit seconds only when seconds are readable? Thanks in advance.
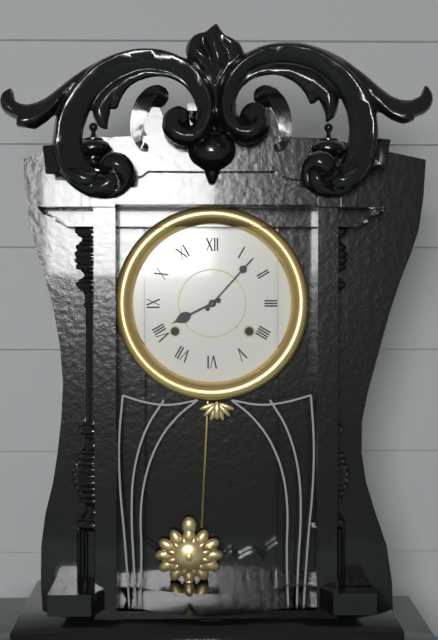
8.07
